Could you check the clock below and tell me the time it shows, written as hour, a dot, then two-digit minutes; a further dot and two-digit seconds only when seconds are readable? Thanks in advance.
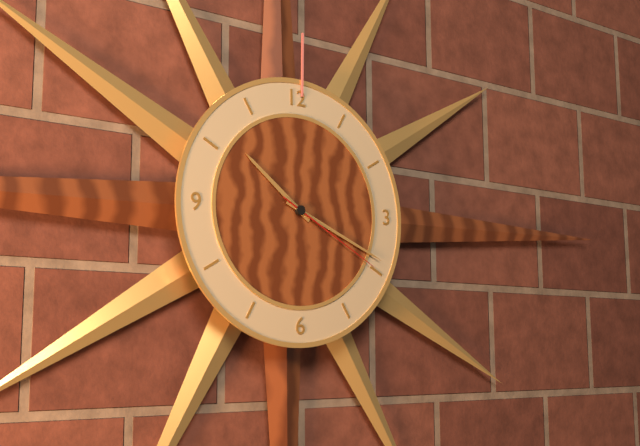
10.19.20
